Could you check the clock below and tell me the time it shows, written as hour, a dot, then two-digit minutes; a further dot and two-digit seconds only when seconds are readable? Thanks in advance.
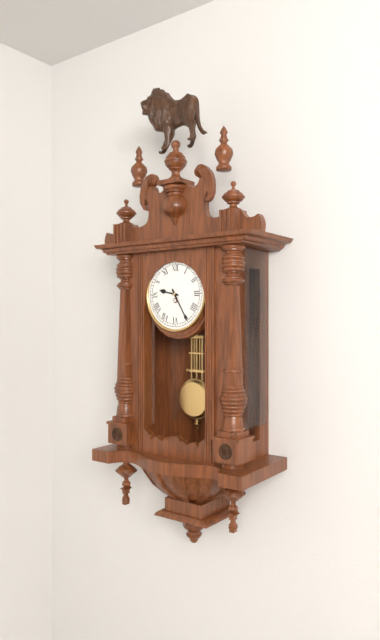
9.25
